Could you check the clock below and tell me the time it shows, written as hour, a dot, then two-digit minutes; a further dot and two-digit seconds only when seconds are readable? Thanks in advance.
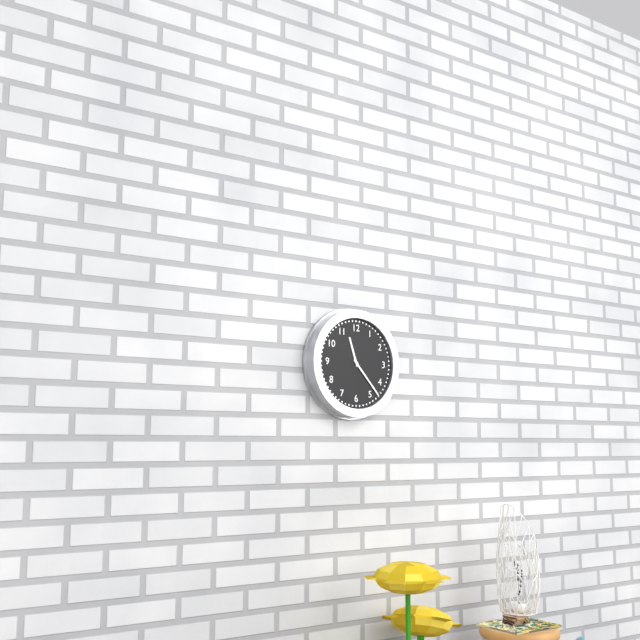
11.23
